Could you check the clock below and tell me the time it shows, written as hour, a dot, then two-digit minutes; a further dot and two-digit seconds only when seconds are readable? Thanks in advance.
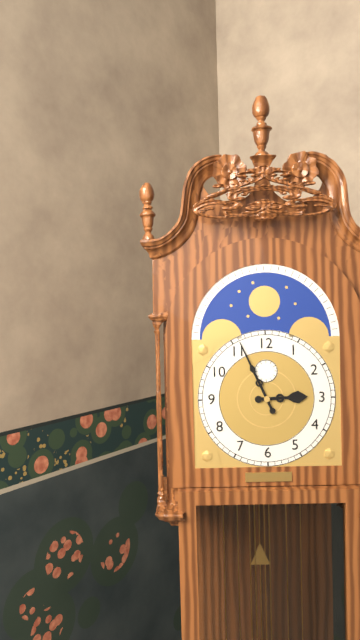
2.56
